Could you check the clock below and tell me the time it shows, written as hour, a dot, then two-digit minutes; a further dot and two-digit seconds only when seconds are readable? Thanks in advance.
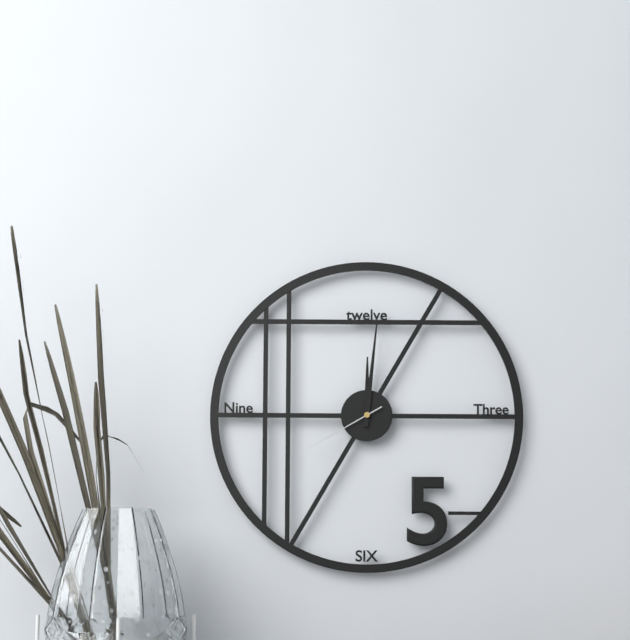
12.01.40
